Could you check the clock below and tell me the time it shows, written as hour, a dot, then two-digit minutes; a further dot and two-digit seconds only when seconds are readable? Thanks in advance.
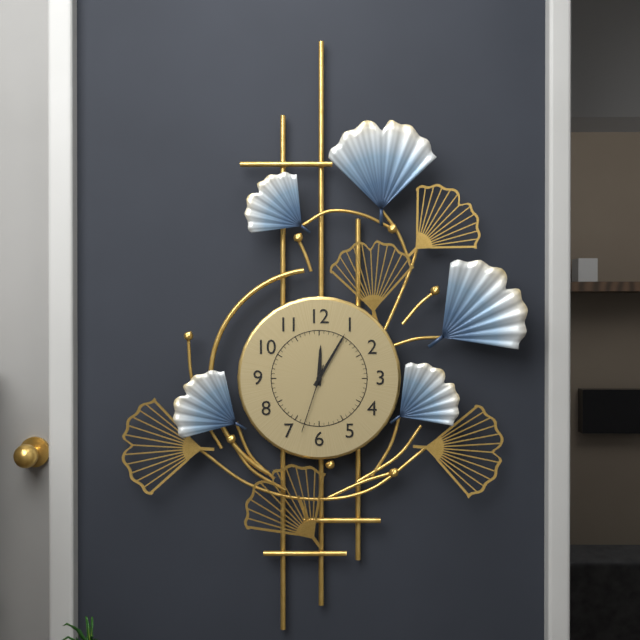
12.05.33
